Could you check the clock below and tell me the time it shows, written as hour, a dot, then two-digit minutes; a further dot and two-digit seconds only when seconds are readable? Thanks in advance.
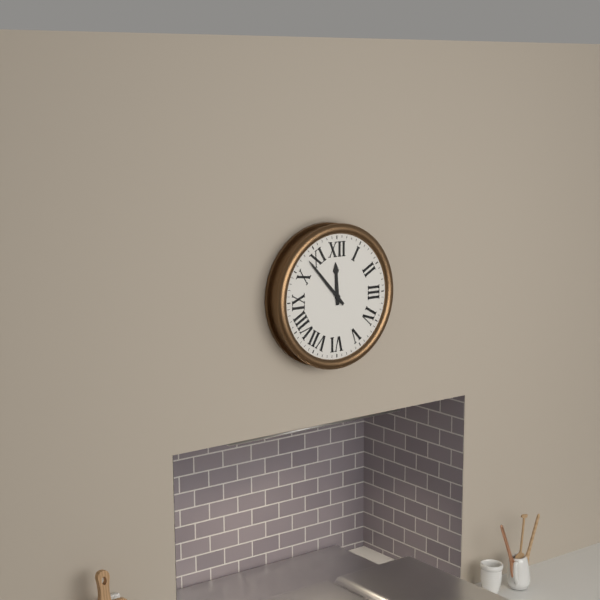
11.53
